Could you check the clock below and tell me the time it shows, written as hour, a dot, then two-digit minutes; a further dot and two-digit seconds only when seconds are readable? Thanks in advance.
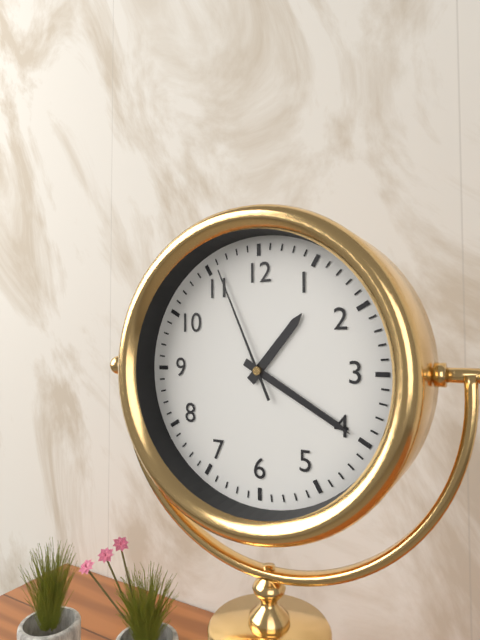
1.20.56
